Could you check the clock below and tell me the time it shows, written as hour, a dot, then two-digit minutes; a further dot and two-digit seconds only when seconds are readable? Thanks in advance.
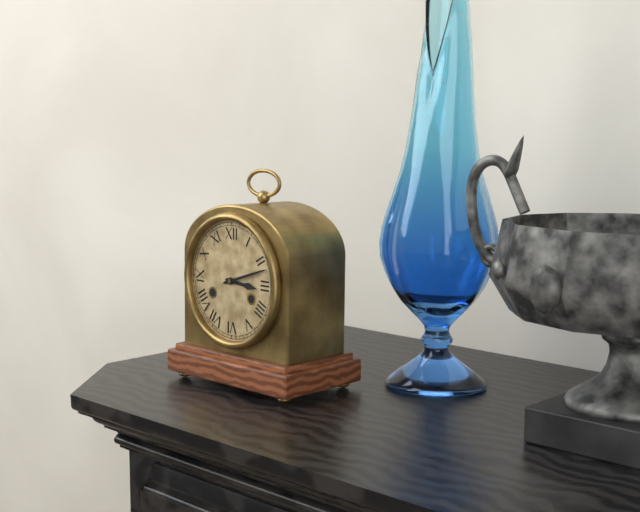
3.12
